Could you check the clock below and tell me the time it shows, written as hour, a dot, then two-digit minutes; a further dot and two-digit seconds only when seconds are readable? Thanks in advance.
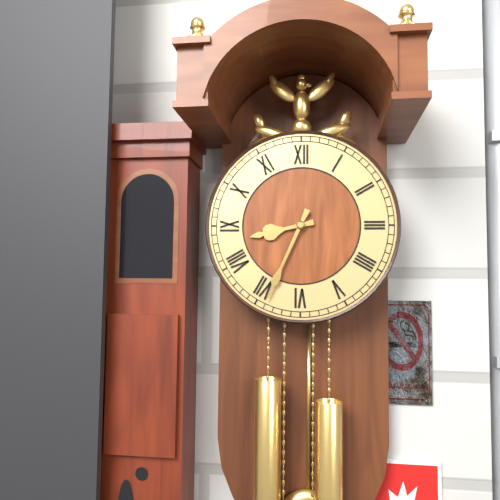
8.34
